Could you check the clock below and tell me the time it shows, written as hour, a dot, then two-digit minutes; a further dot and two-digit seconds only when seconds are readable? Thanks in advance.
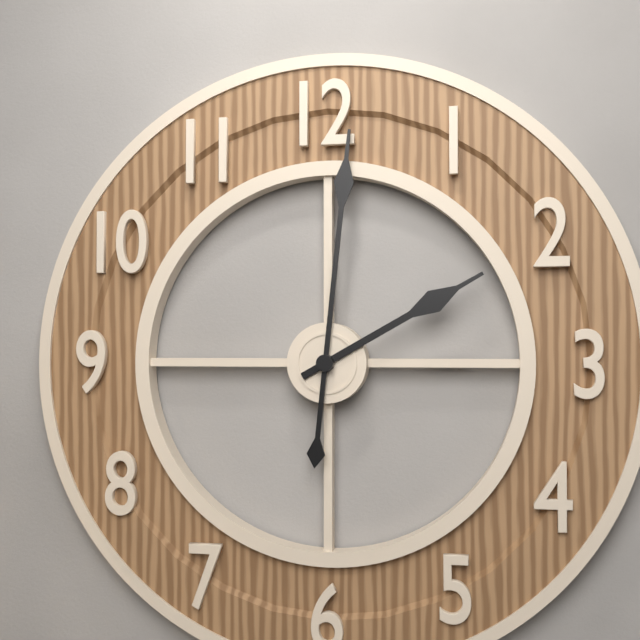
2.01
